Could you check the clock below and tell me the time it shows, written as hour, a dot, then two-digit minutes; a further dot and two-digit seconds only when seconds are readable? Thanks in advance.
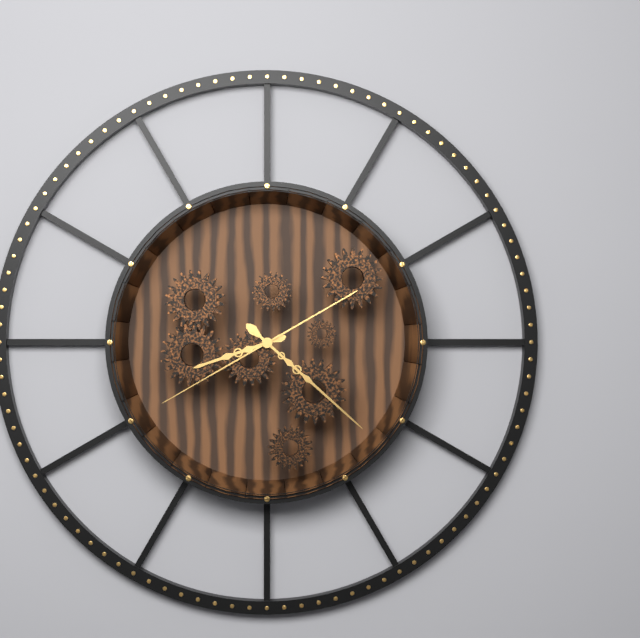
8.22.40
